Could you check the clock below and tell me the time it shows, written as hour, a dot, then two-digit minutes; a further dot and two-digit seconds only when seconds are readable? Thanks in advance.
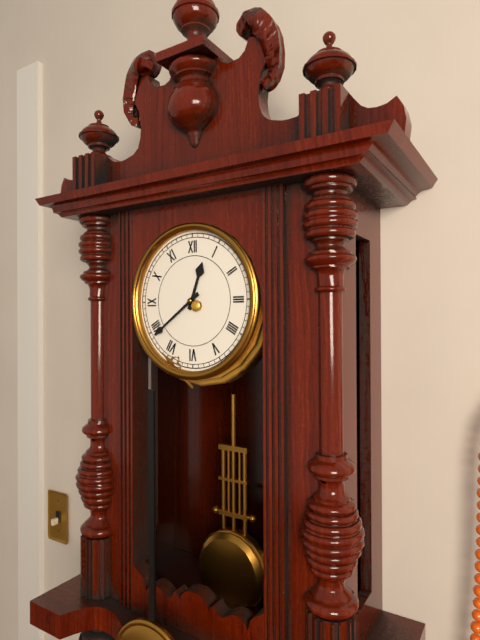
12.39
